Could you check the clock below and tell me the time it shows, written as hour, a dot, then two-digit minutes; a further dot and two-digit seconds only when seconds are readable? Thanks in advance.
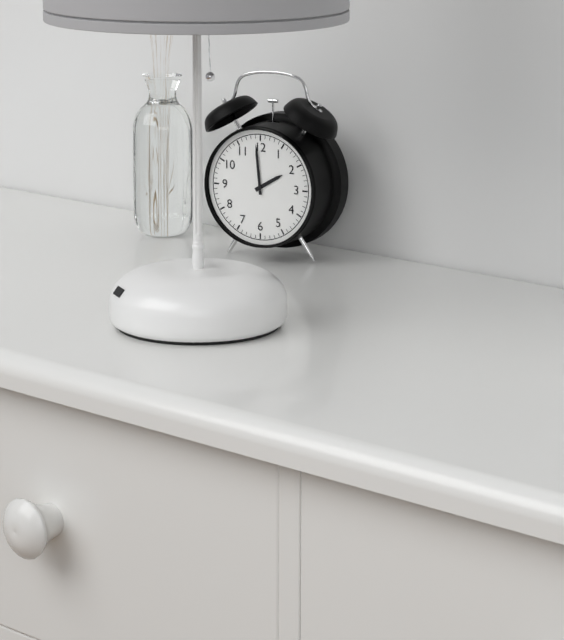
1.59
